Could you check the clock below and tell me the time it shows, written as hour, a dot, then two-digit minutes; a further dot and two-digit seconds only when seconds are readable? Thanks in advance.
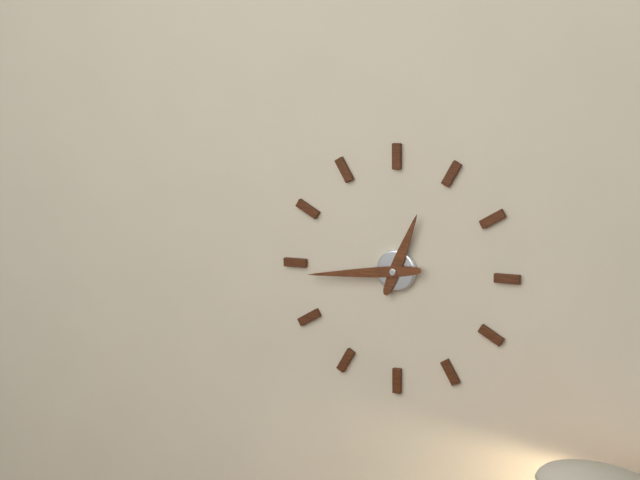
12.44
